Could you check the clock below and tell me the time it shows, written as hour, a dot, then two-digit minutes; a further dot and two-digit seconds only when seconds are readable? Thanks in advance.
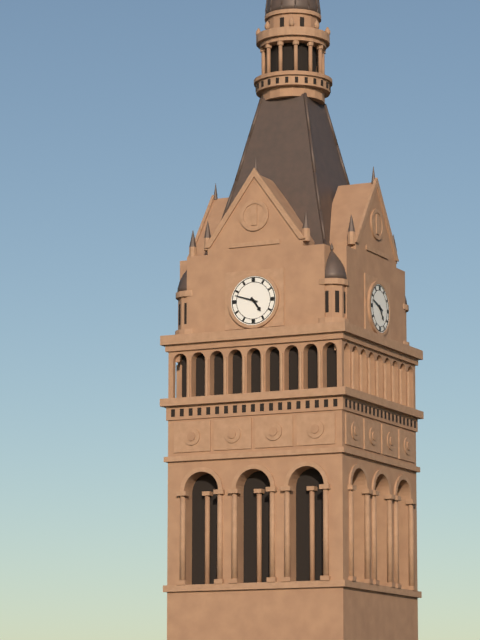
4.48
